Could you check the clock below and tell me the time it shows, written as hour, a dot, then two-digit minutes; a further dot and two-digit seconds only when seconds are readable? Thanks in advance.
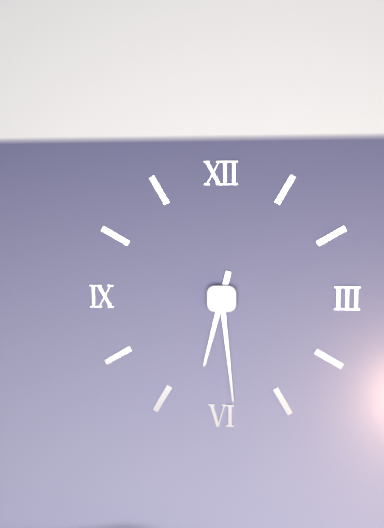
6.29
